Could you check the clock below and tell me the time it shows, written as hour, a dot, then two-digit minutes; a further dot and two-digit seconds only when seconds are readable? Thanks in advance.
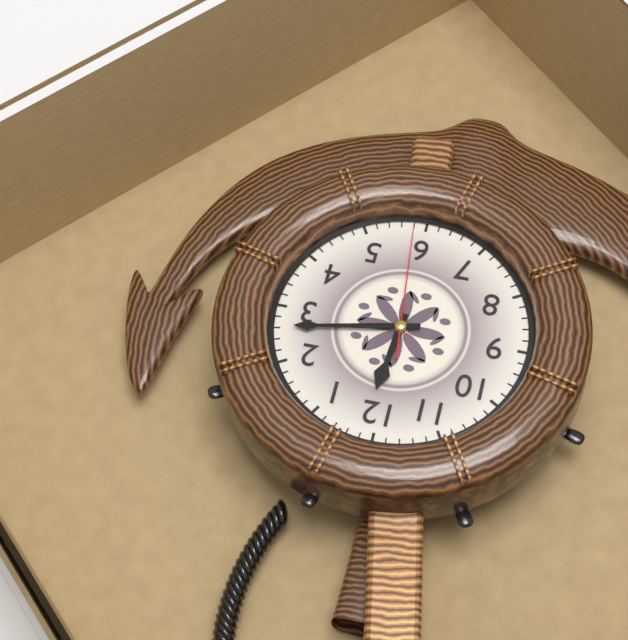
12.13.29
